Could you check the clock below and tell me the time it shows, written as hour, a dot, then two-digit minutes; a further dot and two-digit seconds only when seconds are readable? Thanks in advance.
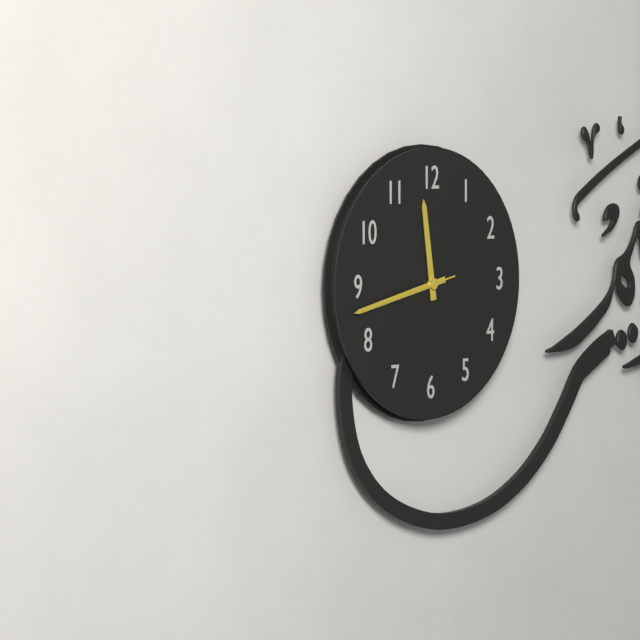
11.43.43
